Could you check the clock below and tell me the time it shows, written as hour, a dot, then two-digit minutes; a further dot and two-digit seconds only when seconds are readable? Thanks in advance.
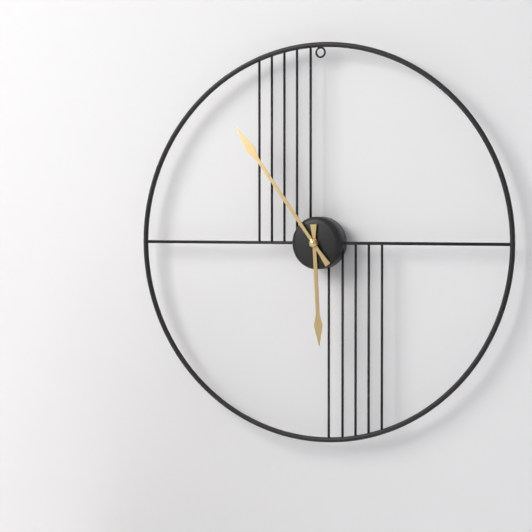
5.54
